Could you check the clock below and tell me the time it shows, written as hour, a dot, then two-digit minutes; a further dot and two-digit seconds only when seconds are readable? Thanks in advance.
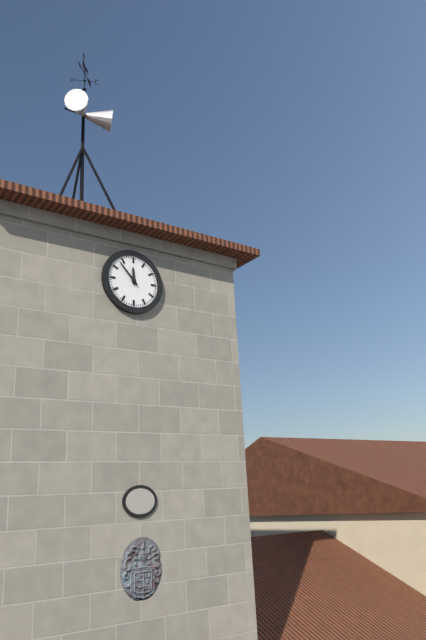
11.53
